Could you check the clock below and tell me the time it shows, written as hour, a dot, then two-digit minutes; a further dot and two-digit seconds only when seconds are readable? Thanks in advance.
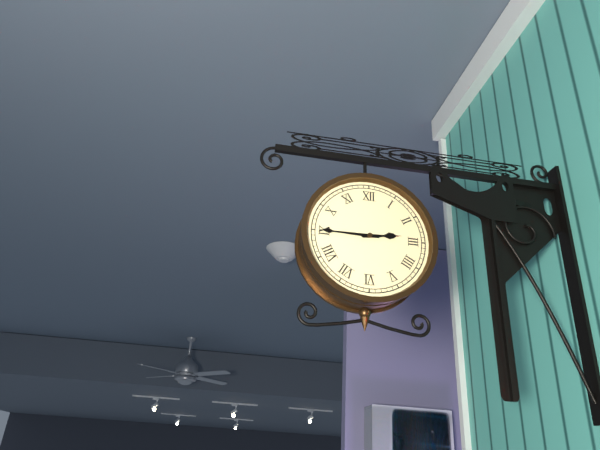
2.45
